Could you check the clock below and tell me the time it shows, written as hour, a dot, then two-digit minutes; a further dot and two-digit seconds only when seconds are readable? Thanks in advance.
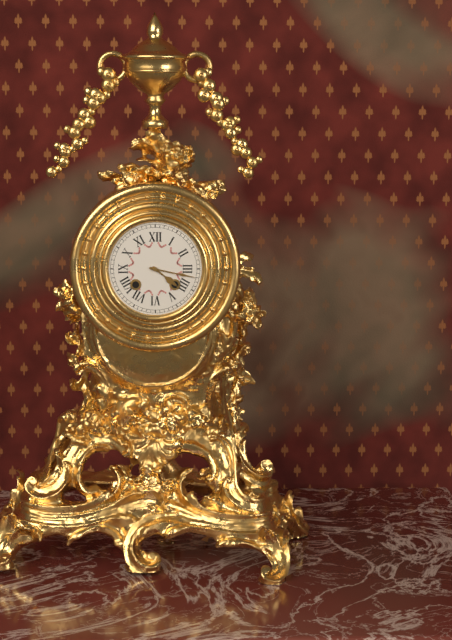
4.17
